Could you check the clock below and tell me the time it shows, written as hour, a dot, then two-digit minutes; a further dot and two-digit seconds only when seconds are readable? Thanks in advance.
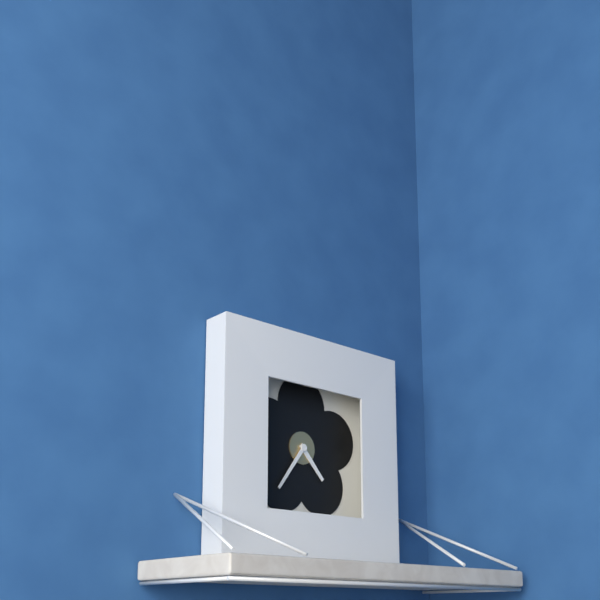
4.36
